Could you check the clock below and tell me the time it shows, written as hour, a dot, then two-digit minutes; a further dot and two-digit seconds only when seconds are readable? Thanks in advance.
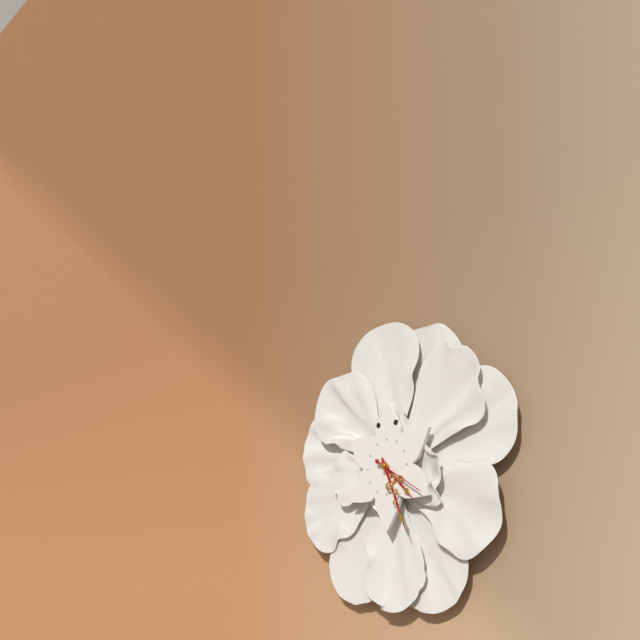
4.26.20
